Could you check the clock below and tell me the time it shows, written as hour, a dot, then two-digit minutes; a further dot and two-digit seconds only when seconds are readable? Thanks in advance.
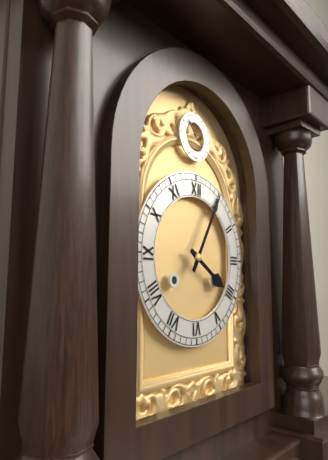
4.05
